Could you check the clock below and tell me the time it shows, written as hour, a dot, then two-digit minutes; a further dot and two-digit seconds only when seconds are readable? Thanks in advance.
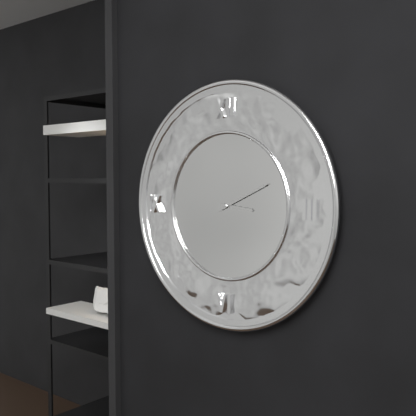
3.11
